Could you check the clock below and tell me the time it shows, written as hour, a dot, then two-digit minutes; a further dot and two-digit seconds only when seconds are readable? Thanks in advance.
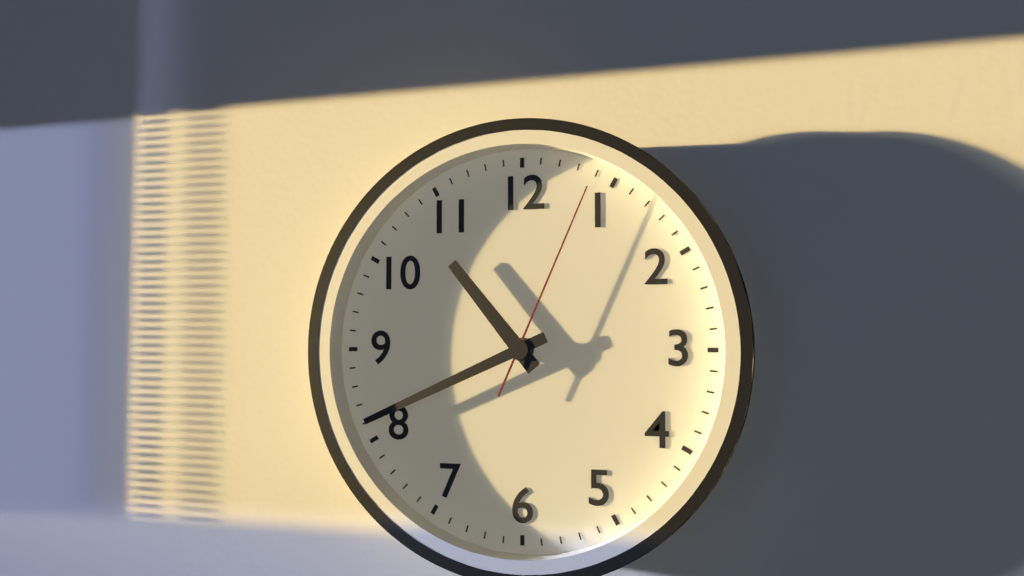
10.41.04
